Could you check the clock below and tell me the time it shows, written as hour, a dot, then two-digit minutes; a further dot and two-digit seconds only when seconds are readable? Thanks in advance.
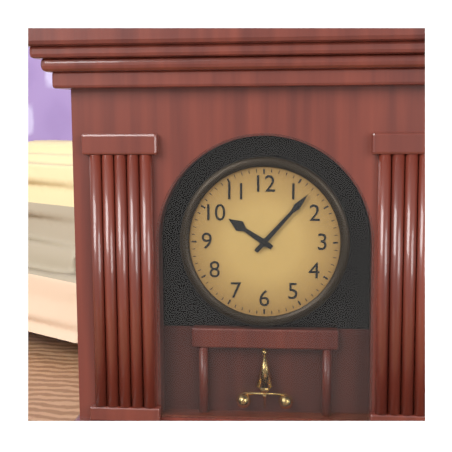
10.07
